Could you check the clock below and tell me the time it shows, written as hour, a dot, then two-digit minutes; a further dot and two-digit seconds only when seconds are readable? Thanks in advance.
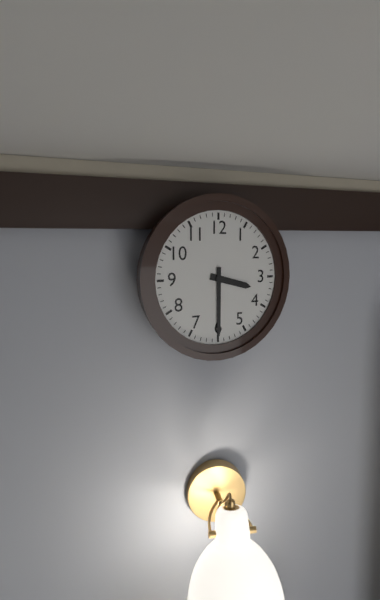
3.30
